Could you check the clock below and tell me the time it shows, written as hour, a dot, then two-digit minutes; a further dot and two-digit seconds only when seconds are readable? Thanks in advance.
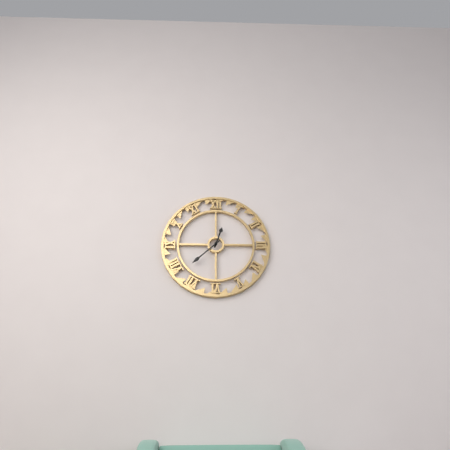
12.38
